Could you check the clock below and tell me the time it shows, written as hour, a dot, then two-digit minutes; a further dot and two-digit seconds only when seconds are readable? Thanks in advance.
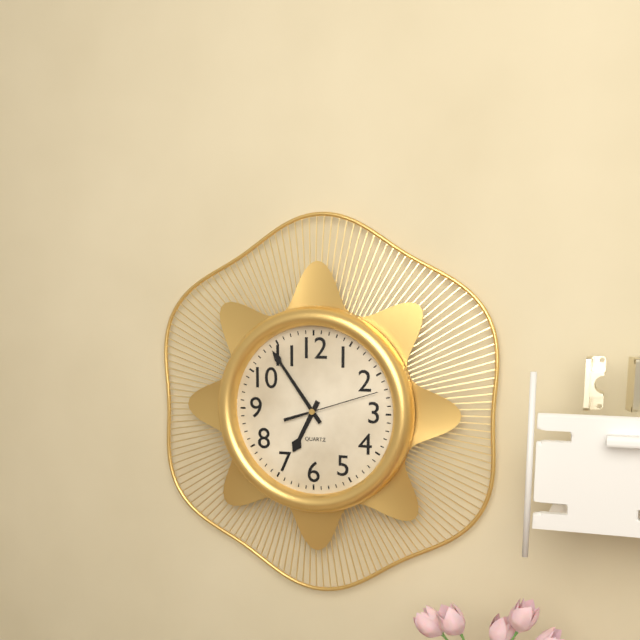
6.54.12
